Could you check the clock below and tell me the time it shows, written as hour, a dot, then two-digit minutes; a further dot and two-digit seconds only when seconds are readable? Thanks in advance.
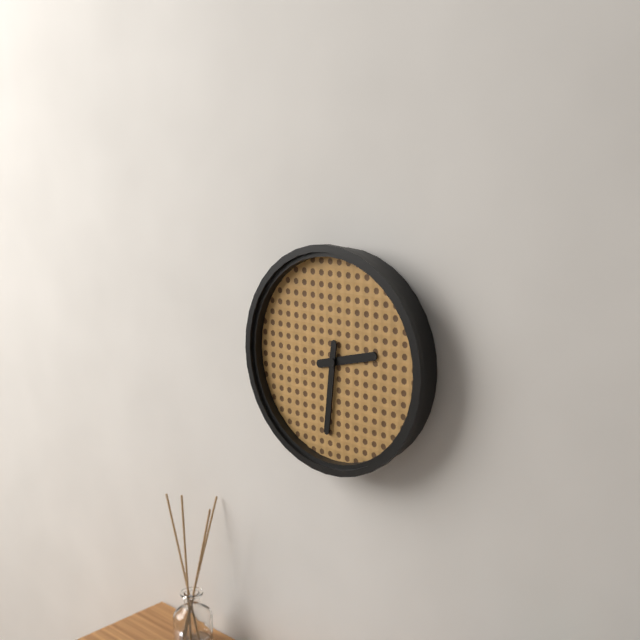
2.31
